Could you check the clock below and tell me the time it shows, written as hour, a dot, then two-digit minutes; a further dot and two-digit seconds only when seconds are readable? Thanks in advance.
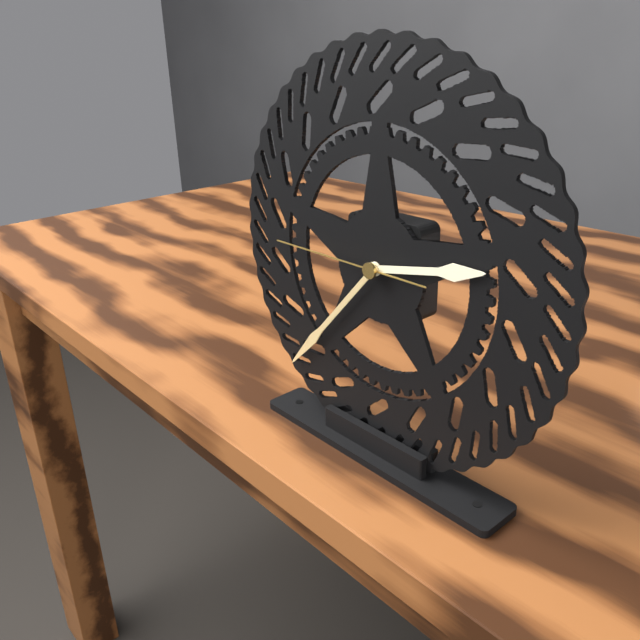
2.37.45
